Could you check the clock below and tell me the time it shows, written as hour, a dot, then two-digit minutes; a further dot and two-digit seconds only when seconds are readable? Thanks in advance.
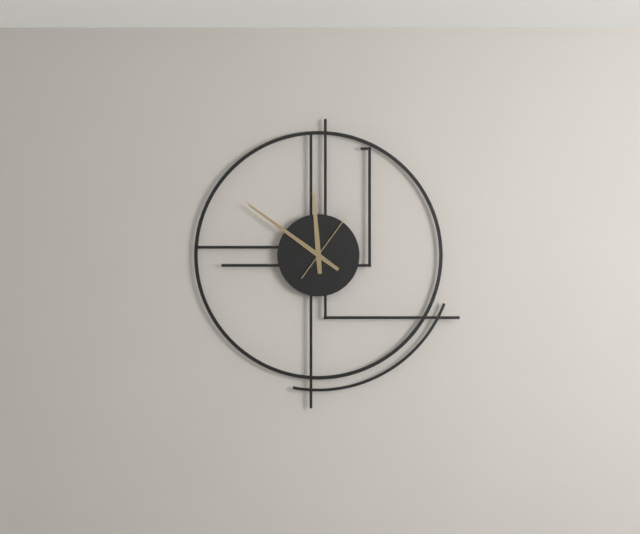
11.51.06
